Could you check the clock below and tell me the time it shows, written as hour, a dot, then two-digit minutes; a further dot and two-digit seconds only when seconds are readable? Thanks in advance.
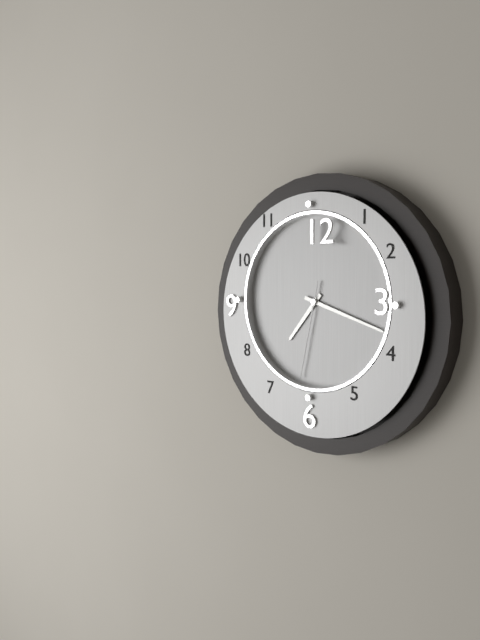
7.18.32
